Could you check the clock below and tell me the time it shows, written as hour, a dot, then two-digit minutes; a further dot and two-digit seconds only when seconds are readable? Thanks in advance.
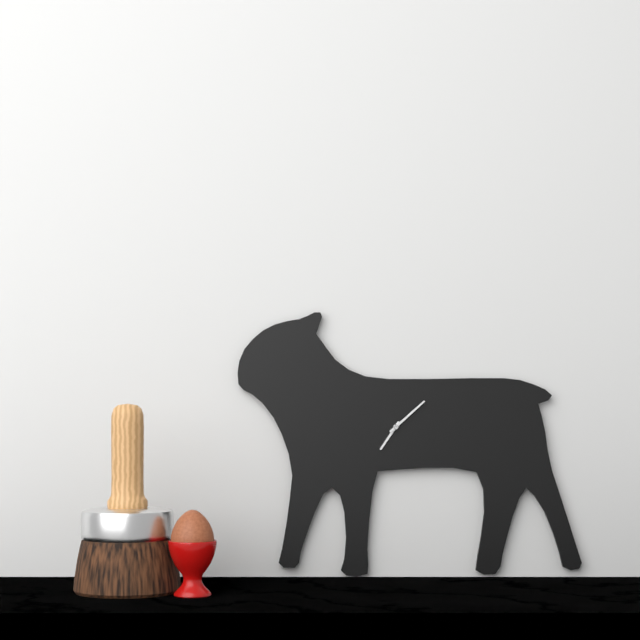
7.08
